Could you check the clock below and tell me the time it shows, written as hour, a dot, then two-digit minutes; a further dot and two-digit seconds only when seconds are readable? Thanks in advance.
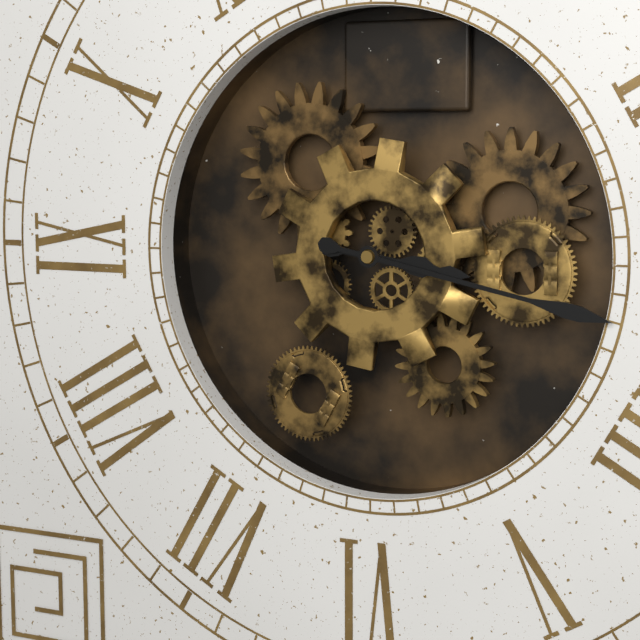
3.17
